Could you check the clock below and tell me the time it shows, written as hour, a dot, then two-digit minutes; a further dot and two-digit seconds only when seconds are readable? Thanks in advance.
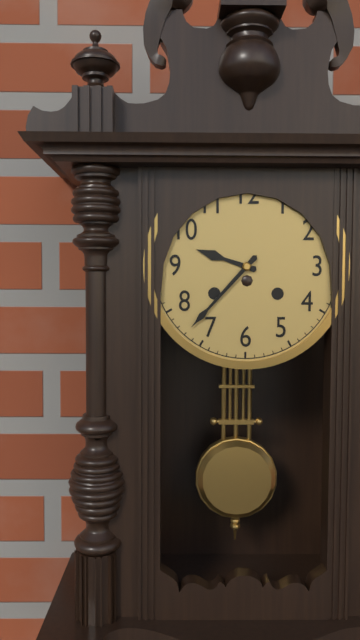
9.37
